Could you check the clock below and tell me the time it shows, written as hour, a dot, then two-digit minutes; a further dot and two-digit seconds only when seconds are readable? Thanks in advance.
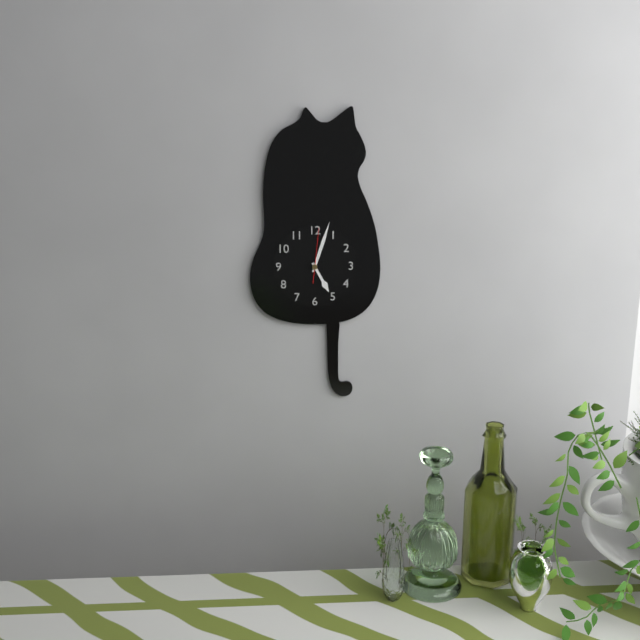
5.03
